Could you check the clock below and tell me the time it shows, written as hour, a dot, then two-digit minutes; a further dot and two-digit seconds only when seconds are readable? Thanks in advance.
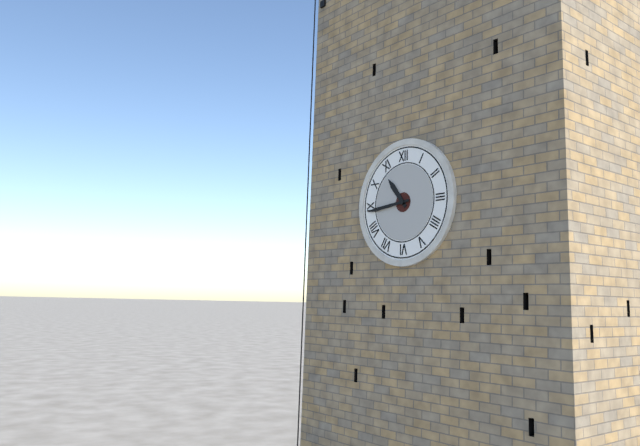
10.44
